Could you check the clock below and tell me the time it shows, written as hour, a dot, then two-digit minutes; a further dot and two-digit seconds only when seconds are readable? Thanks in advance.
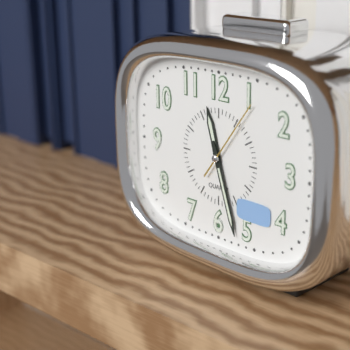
11.27.06
